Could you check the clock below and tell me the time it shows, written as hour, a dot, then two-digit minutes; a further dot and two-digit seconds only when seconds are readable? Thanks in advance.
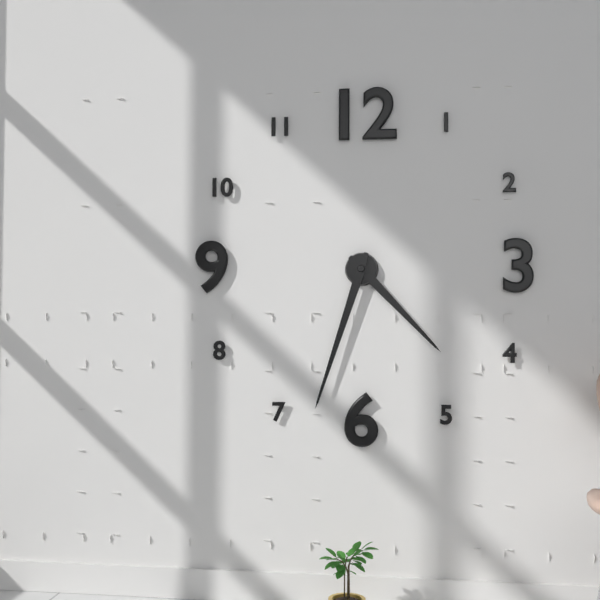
4.33
